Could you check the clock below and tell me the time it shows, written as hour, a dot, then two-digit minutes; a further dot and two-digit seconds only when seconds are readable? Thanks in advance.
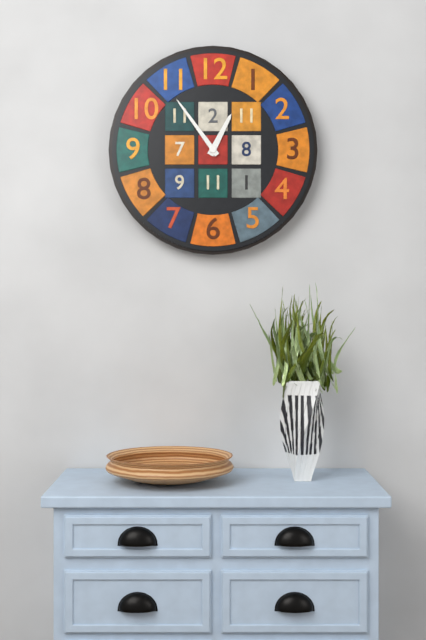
12.54
